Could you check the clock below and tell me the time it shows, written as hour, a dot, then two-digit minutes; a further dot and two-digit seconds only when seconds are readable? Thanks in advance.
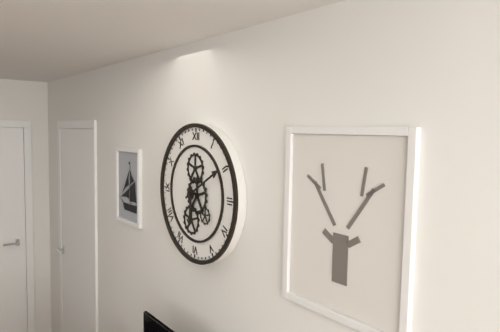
6.10
